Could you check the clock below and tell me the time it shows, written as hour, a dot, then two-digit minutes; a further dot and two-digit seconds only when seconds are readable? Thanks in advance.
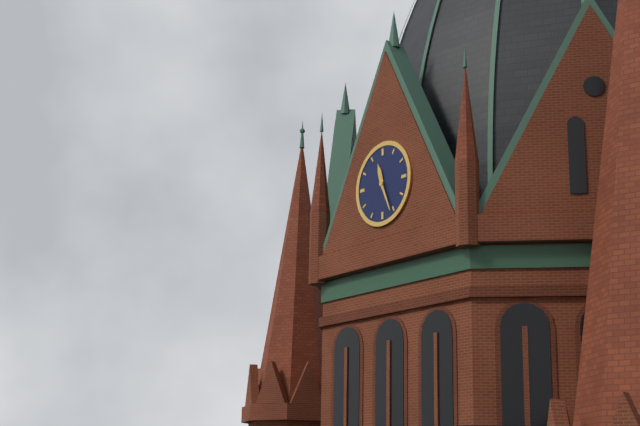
11.26
